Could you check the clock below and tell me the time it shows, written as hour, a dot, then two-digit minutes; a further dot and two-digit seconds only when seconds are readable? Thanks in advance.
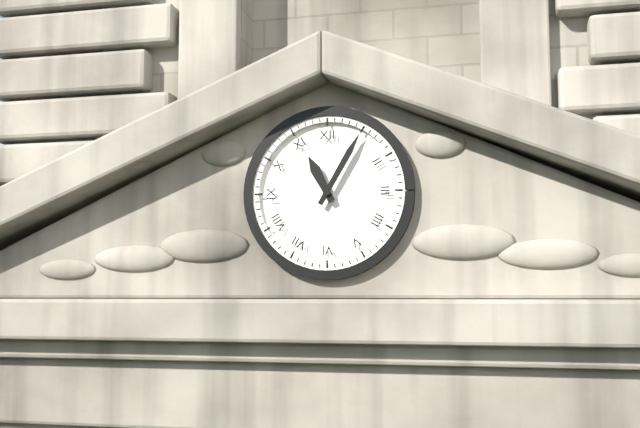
11.05
